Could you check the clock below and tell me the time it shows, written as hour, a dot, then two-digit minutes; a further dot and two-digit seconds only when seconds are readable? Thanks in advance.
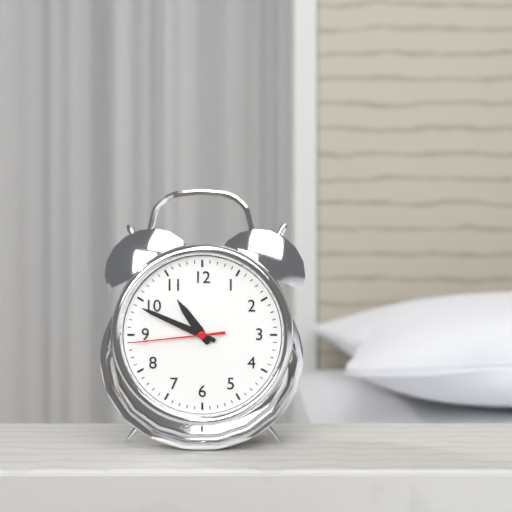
10.49.44
